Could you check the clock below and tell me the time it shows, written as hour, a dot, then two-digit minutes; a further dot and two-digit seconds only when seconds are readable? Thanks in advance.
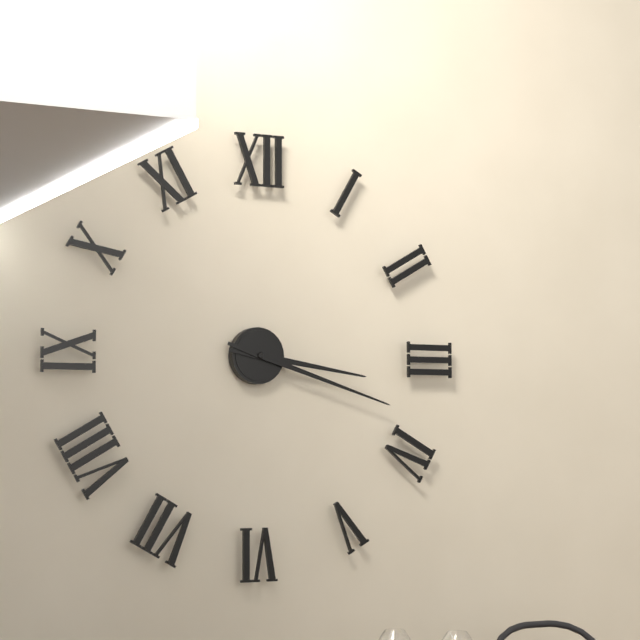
3.18
